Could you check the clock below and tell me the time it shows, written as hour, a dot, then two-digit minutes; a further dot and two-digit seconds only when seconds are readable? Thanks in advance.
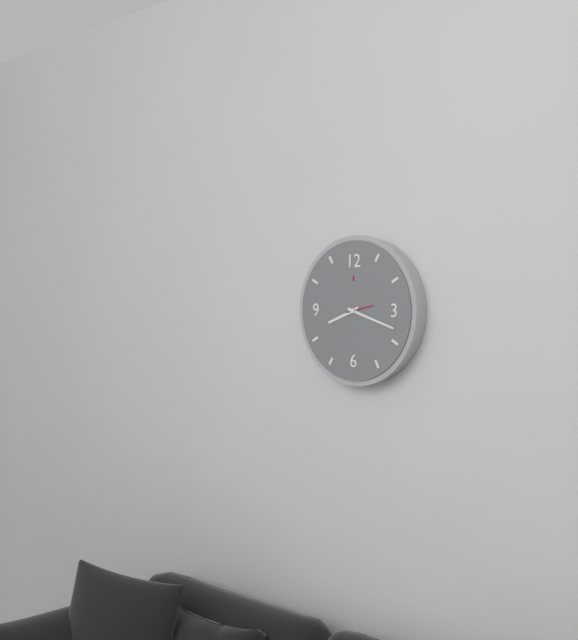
8.18
